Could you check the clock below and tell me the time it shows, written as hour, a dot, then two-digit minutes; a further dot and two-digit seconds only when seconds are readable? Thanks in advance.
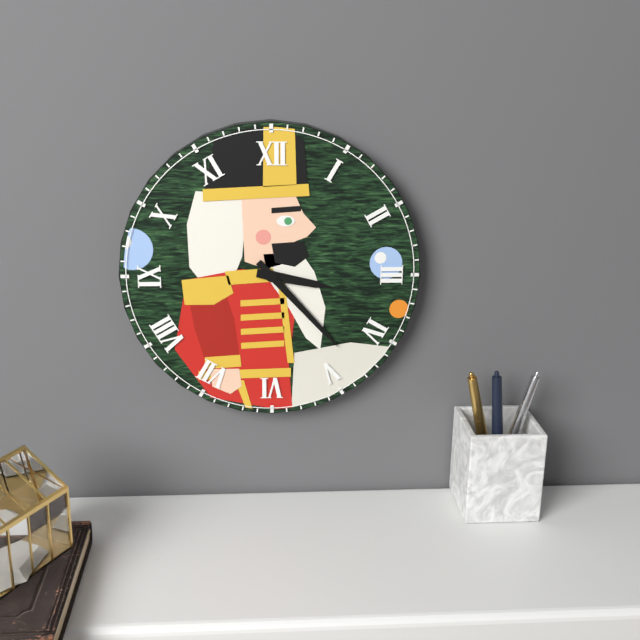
3.23
